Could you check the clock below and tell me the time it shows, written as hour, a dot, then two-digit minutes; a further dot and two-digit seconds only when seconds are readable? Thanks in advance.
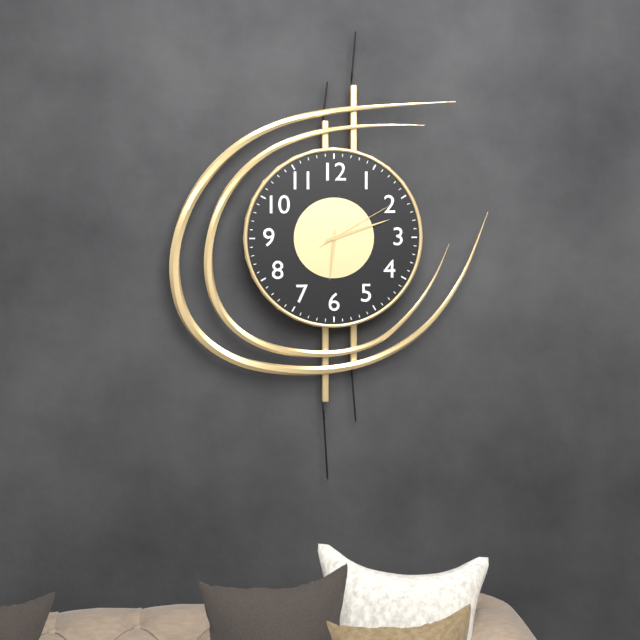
6.12.10
